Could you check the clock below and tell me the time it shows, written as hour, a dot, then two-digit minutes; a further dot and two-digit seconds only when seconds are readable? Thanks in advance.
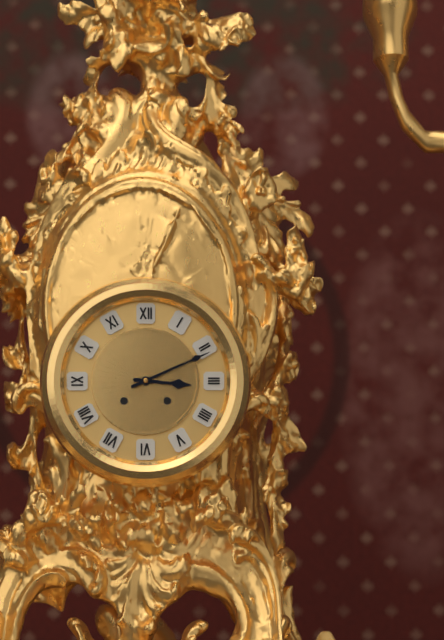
3.11
